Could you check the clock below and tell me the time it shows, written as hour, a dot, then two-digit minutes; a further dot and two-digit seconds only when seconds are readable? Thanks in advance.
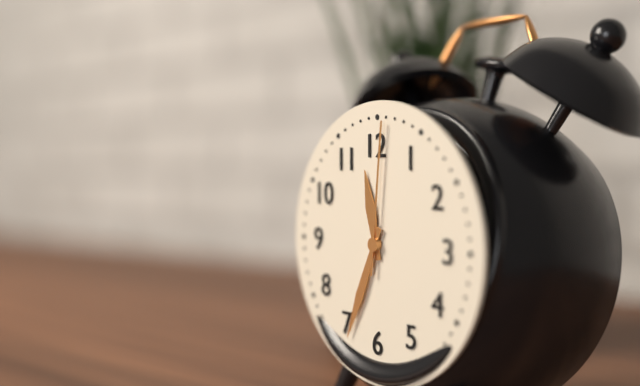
11.34.01
